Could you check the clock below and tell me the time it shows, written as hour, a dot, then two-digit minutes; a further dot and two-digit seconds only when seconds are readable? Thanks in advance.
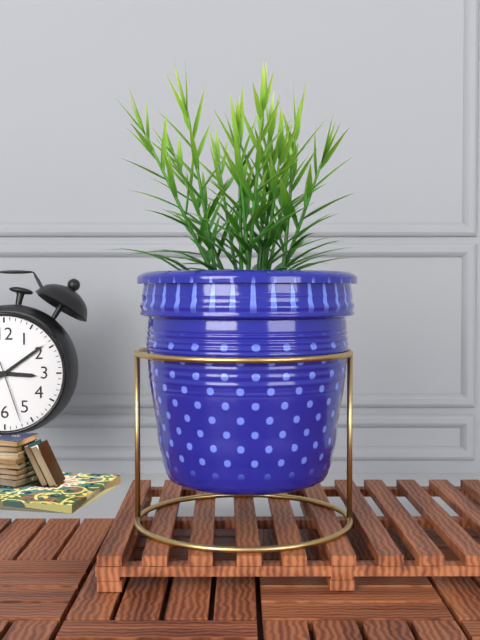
3.09.27
